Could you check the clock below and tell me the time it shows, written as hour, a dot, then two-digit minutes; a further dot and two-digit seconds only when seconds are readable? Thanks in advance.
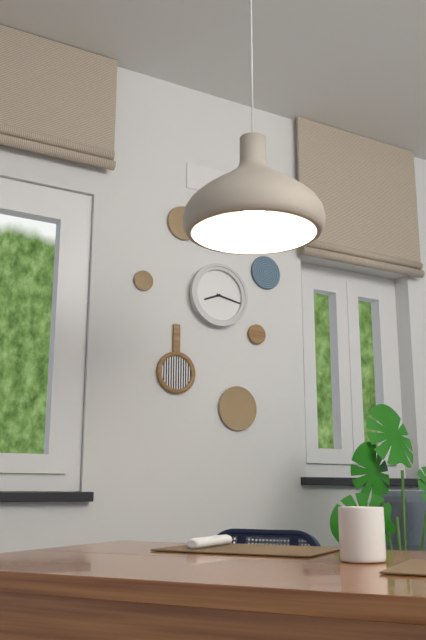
8.17
